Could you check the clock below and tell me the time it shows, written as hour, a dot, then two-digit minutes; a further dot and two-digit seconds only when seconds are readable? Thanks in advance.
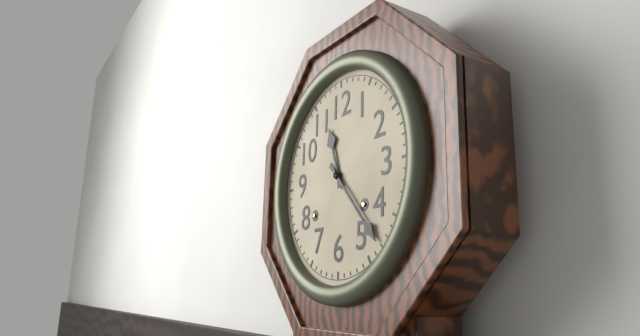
11.23
